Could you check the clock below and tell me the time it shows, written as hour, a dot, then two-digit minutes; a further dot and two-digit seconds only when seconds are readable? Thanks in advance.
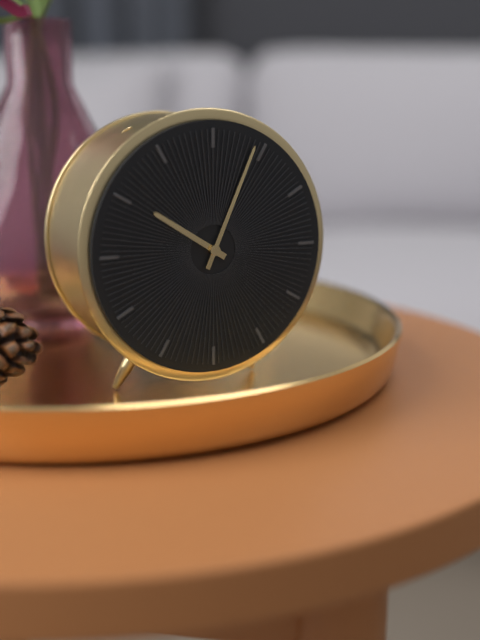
10.04
